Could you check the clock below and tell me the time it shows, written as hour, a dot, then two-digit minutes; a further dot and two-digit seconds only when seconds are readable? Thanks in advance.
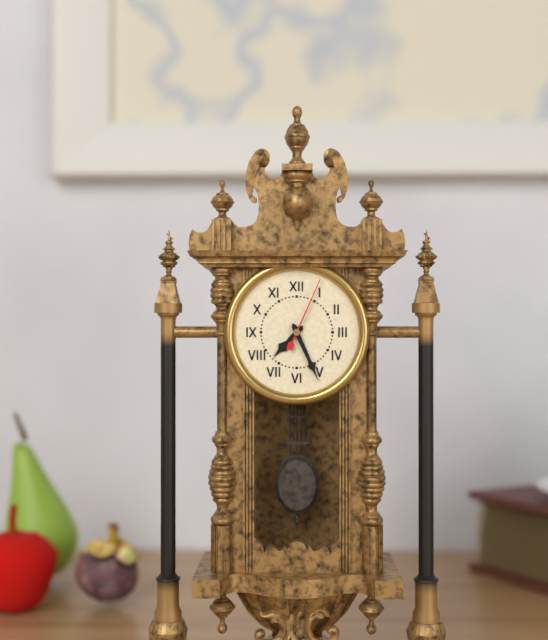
7.26.04
